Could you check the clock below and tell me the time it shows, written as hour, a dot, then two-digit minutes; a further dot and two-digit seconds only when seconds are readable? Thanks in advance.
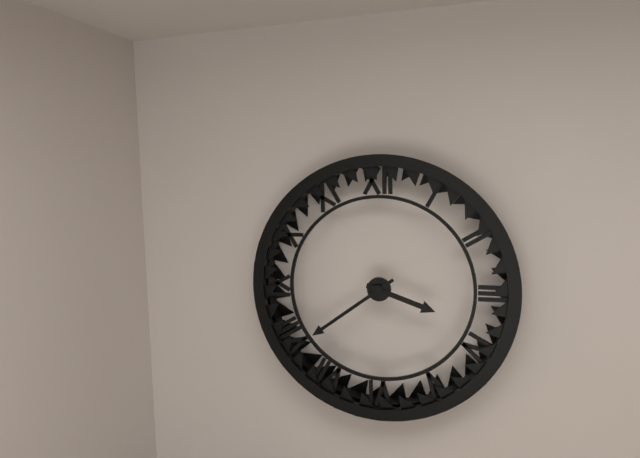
3.39
